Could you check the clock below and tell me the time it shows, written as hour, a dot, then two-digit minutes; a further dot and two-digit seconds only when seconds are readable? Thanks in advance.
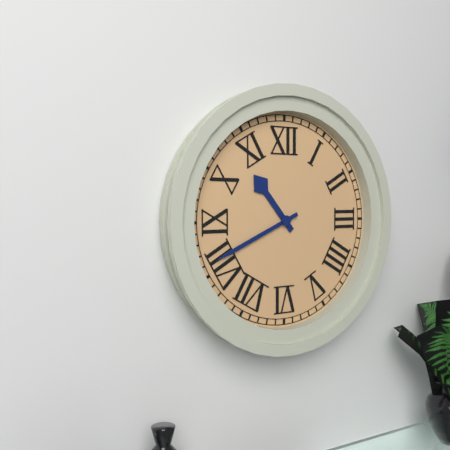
10.41
